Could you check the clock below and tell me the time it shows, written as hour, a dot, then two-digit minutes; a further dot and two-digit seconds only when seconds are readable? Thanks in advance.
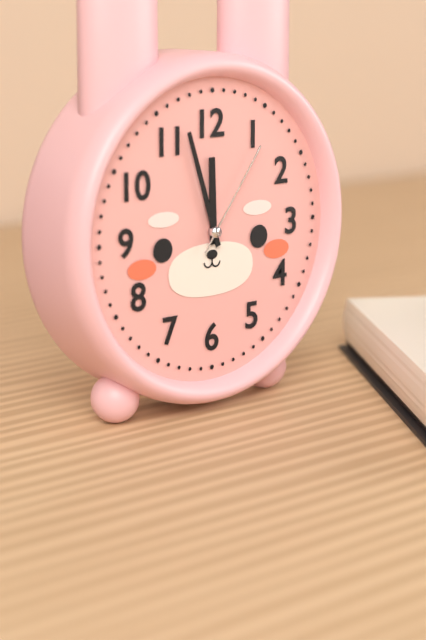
11.57.06
